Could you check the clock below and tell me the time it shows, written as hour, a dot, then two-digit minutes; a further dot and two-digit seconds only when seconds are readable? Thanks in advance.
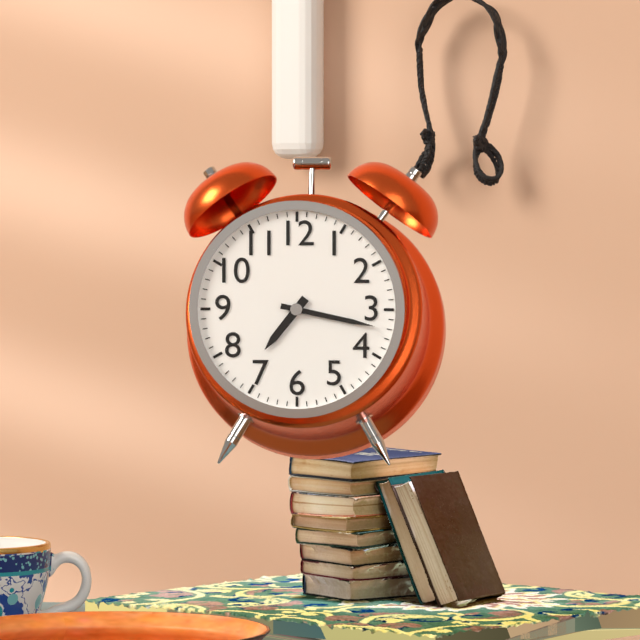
7.17
